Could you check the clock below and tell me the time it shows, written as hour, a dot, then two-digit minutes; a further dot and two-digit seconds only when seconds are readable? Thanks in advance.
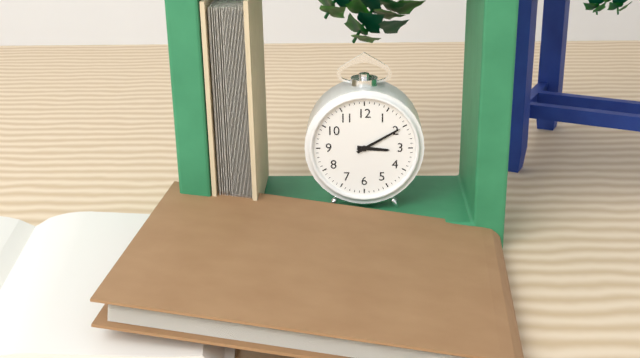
3.10
